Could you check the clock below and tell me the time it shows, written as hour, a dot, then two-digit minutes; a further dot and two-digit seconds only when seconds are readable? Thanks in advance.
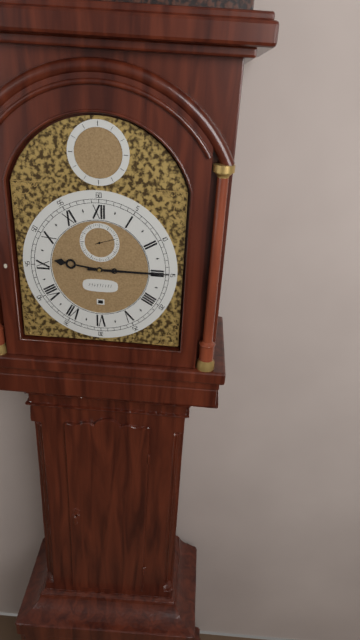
9.15
